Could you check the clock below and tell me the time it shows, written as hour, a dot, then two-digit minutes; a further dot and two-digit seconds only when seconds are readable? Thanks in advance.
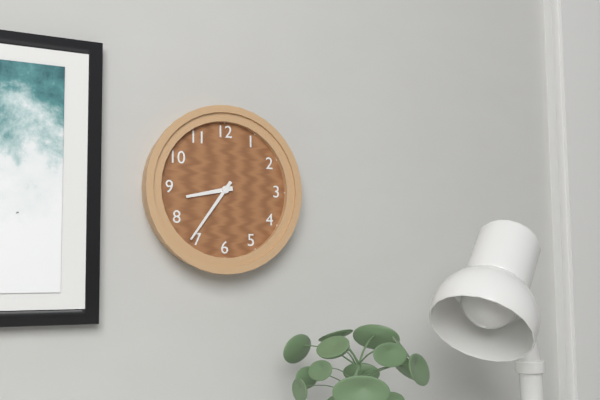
8.36
